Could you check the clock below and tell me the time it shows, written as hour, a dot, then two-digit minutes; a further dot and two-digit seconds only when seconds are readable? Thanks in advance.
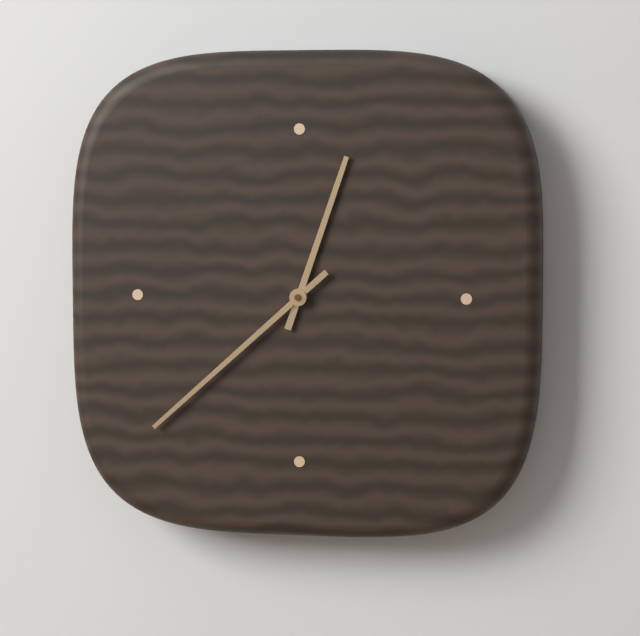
12.38
